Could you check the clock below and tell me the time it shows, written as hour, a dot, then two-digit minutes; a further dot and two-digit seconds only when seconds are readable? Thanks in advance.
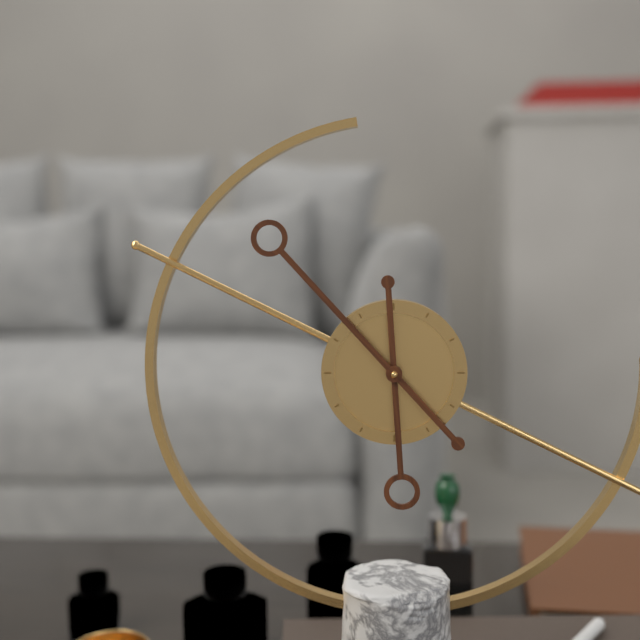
5.53
